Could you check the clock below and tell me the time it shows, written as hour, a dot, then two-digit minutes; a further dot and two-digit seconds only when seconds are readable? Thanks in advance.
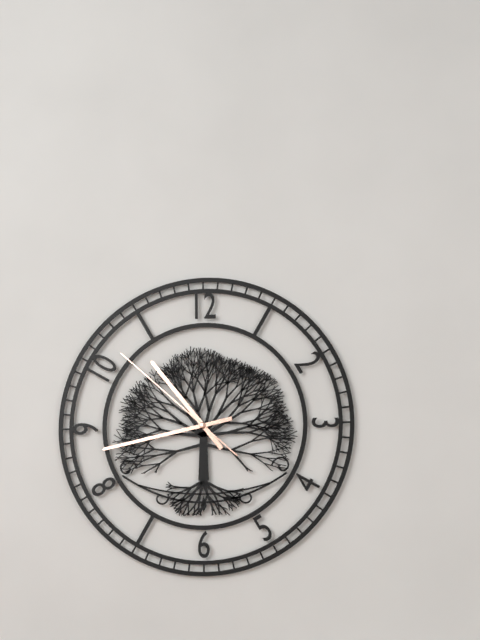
10.43.52
